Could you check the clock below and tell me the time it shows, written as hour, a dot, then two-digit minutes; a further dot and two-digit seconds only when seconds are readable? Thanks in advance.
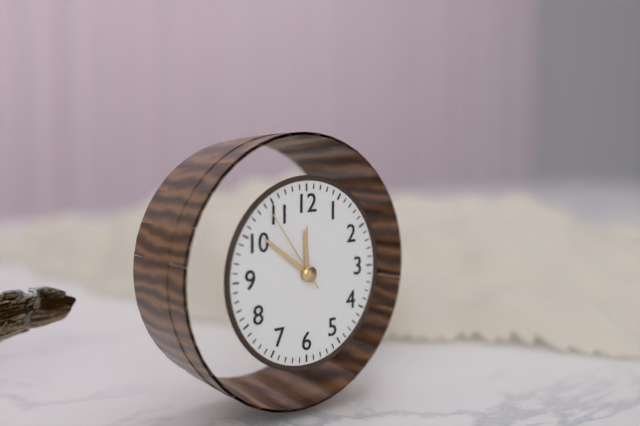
11.51.54
